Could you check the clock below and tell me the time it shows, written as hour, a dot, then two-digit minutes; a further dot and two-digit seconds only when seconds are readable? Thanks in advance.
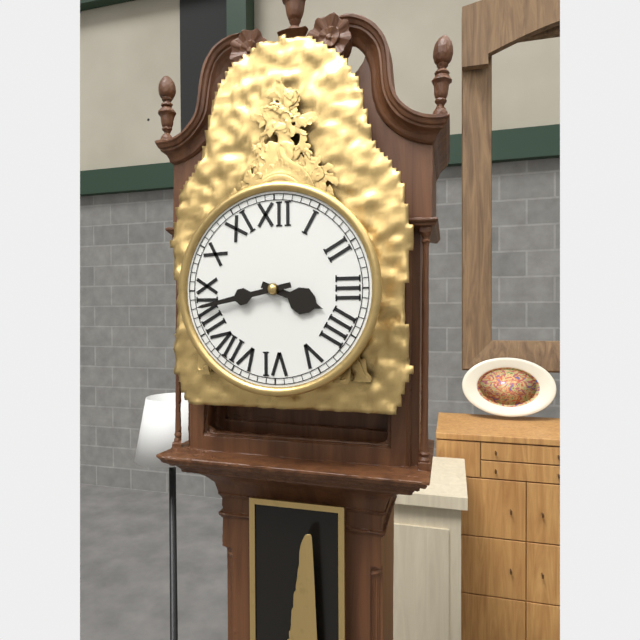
3.43
